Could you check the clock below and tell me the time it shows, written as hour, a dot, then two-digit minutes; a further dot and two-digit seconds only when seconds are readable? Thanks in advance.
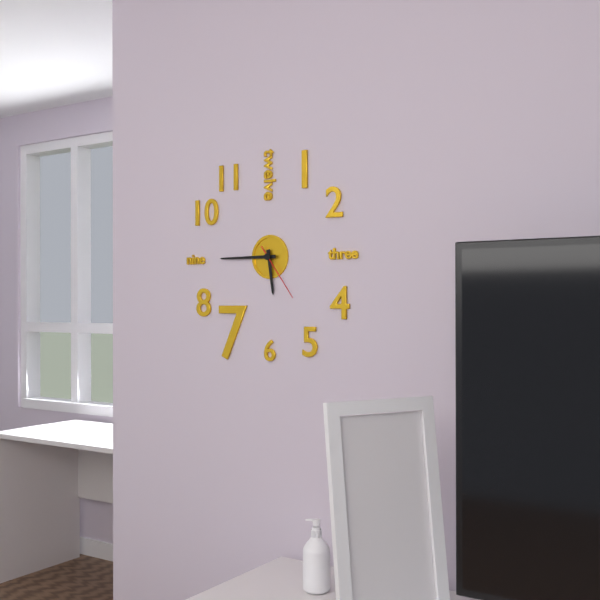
5.45.24
